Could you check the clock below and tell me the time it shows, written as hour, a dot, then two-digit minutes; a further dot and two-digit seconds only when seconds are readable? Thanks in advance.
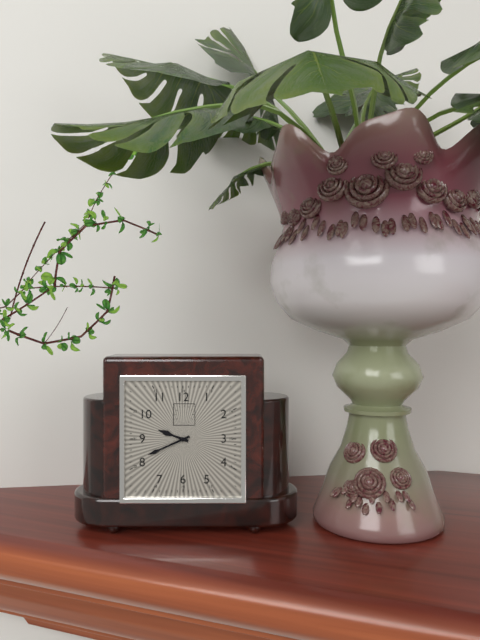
9.41
